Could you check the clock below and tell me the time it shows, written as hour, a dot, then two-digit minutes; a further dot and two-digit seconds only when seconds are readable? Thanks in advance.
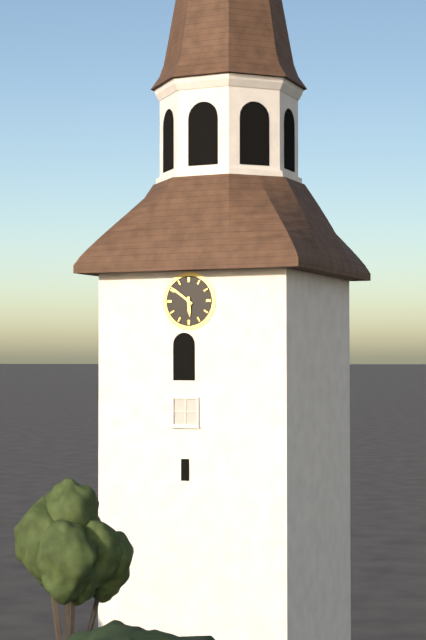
5.51
